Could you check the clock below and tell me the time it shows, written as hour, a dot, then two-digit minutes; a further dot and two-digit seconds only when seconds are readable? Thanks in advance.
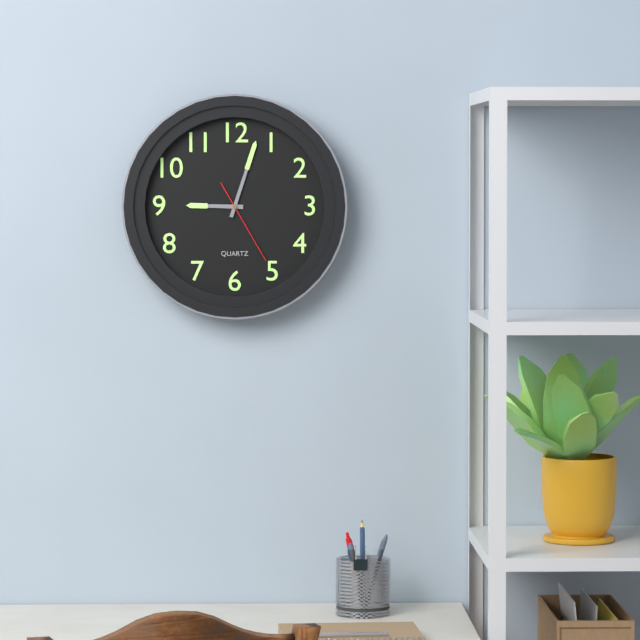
9.03.25
